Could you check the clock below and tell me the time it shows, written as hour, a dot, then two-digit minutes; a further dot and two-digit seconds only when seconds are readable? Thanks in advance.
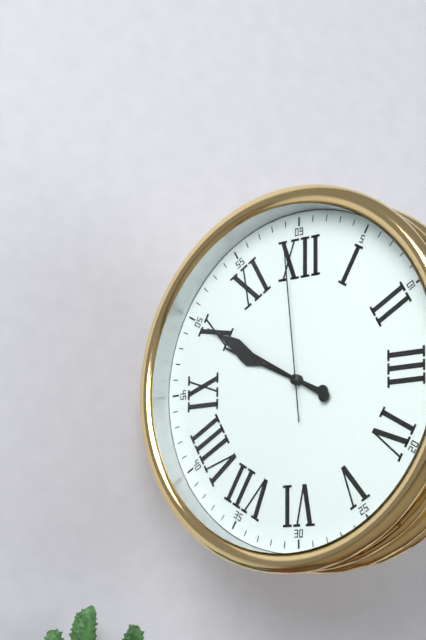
9.50.59
